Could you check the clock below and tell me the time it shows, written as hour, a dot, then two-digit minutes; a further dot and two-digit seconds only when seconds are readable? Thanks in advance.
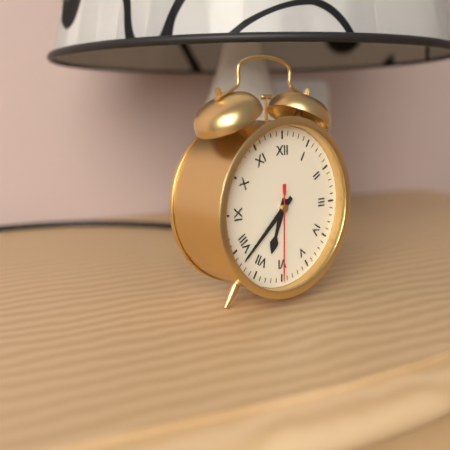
6.38.30
